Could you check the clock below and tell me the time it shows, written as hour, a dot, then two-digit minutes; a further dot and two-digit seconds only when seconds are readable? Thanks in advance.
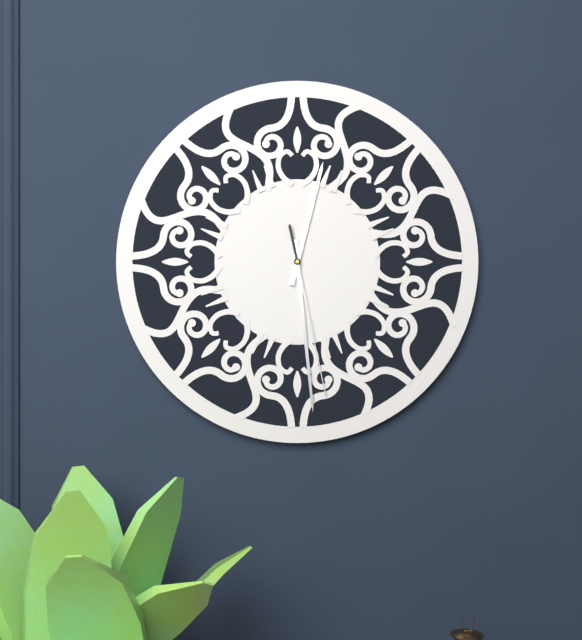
12.29.28
